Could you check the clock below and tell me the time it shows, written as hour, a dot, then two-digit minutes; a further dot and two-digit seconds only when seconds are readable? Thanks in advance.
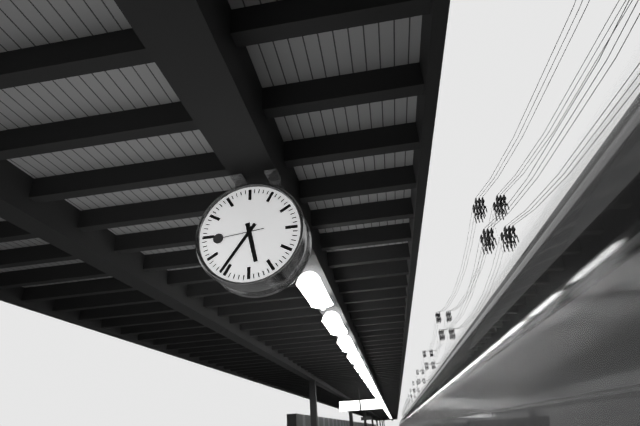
5.36.44
